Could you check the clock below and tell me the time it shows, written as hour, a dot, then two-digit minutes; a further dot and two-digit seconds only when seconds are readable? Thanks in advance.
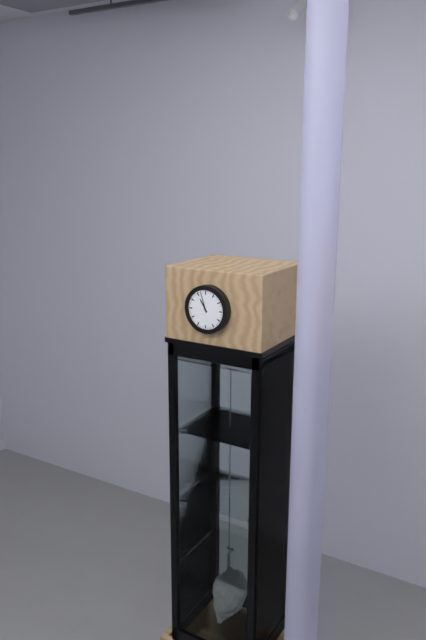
10.57
